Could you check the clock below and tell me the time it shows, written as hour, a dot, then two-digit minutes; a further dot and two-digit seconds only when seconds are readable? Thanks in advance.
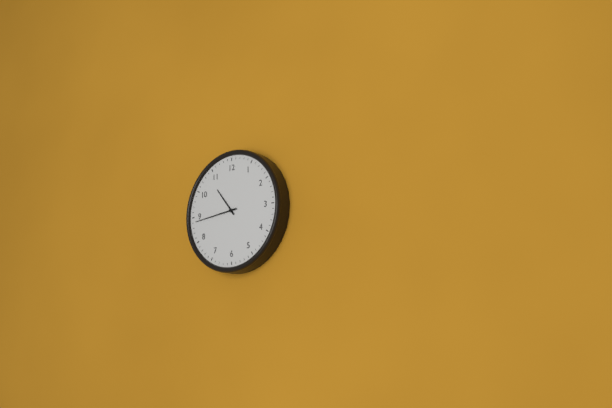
10.44
